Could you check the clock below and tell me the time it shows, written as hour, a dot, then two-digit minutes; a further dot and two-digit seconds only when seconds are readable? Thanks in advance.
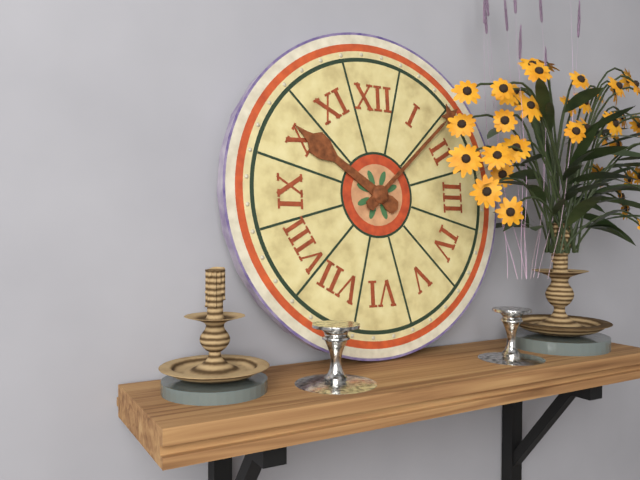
10.08
